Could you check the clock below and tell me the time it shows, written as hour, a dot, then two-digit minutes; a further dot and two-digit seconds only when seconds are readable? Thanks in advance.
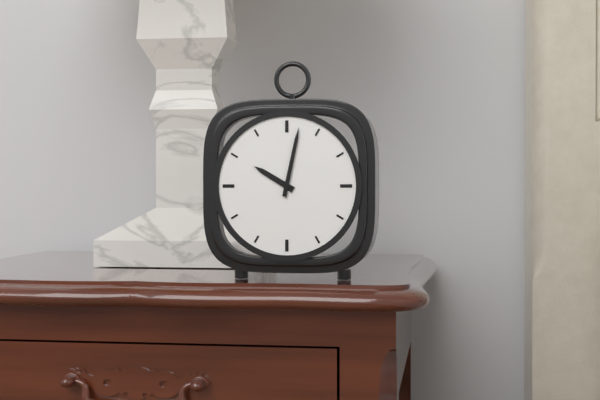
10.02
